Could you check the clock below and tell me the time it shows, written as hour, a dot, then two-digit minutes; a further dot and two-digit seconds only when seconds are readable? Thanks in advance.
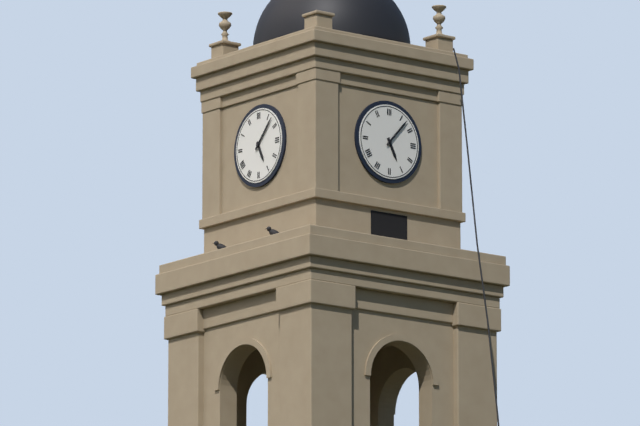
5.07
